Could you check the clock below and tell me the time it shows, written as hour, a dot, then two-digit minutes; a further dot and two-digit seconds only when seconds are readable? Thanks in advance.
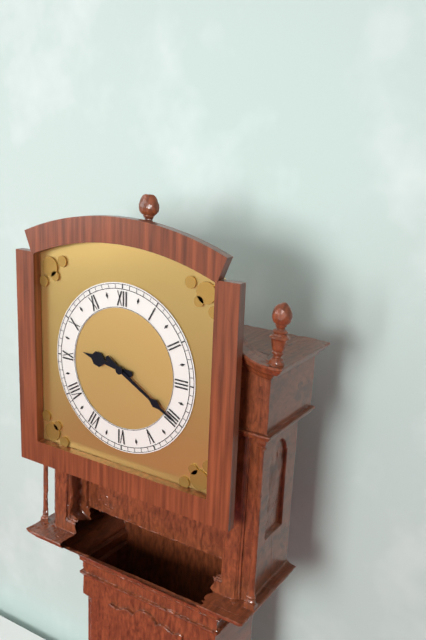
9.20
